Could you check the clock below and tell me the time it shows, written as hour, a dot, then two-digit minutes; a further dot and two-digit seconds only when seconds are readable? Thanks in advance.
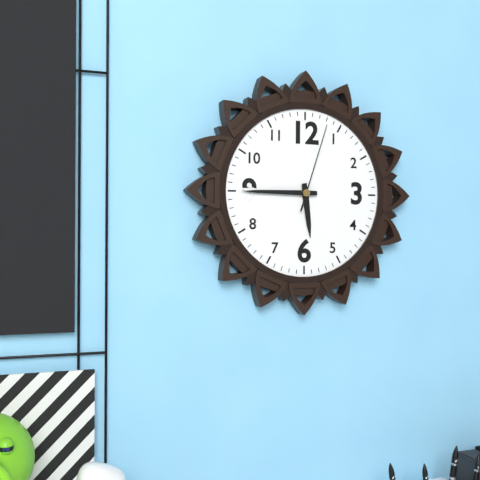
5.45.03
